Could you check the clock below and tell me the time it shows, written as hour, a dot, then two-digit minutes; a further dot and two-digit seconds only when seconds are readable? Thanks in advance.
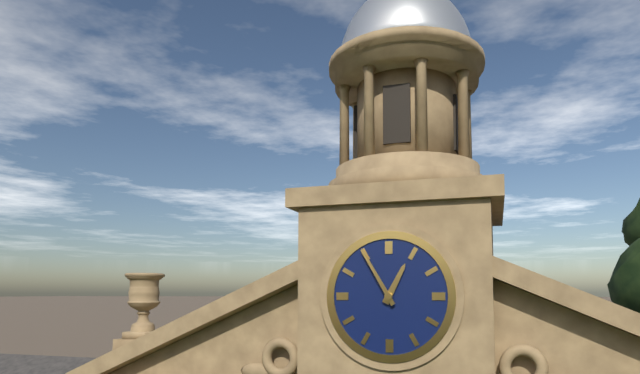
12.55
